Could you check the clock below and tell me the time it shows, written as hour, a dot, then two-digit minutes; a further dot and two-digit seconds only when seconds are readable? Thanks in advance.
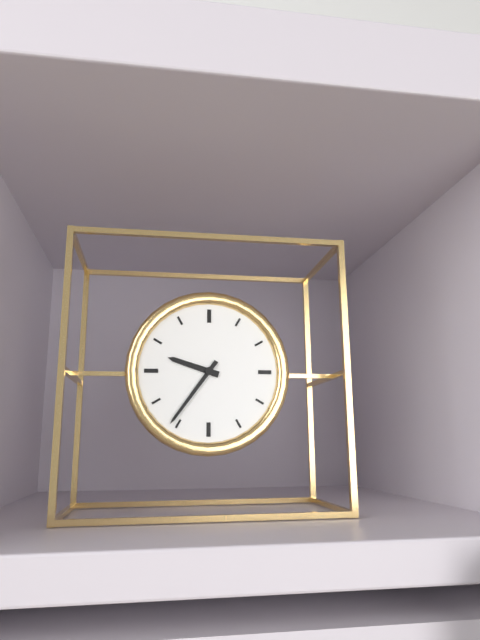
9.36
